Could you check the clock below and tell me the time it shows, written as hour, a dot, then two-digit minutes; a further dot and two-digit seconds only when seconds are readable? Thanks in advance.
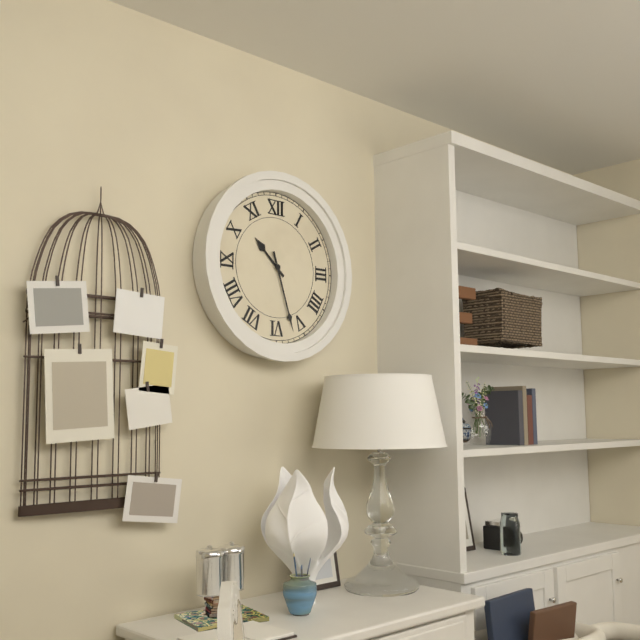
10.27
